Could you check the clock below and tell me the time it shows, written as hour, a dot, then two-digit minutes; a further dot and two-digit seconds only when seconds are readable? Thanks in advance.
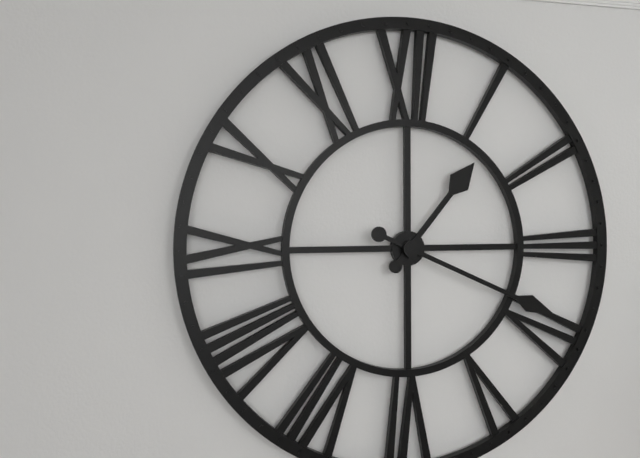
1.19
